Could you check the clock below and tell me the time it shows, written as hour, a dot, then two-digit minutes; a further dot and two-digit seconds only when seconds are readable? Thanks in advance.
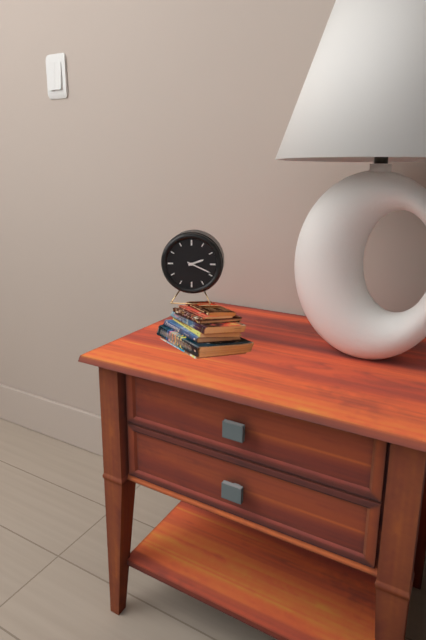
2.19
